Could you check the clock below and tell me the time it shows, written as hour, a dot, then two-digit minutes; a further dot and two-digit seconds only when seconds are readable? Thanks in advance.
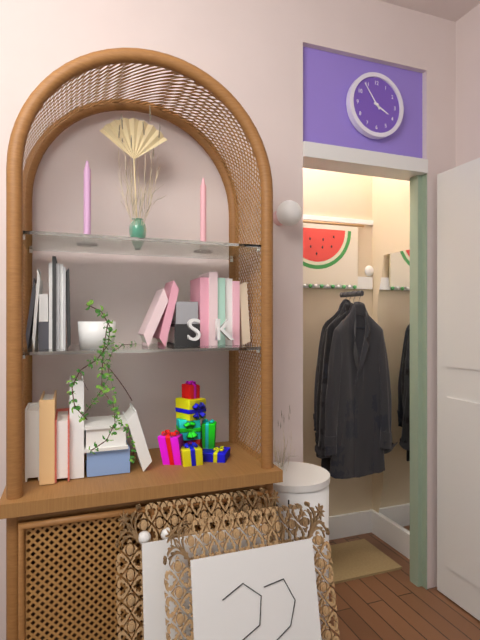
3.54
